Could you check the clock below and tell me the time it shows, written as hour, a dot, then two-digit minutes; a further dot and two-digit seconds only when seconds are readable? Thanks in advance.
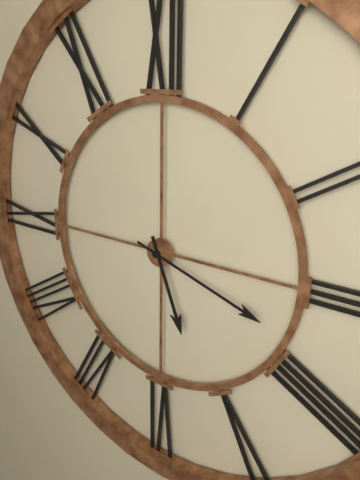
5.18
